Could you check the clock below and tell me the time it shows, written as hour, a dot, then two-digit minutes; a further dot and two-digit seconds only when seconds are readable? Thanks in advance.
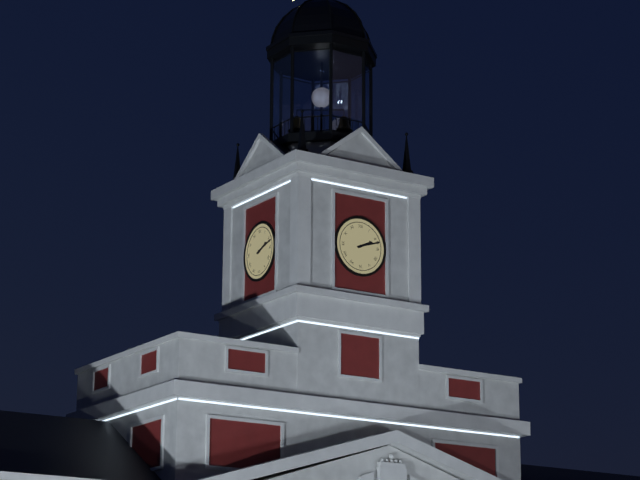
2.12
